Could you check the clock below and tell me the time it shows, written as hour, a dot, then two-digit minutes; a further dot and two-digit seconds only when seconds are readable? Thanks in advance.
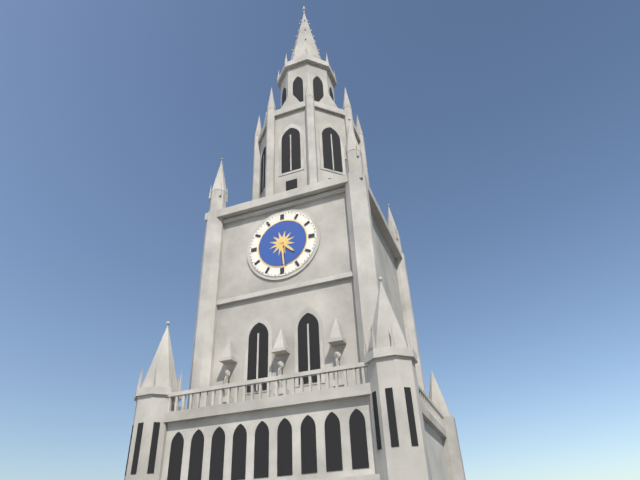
4.29
